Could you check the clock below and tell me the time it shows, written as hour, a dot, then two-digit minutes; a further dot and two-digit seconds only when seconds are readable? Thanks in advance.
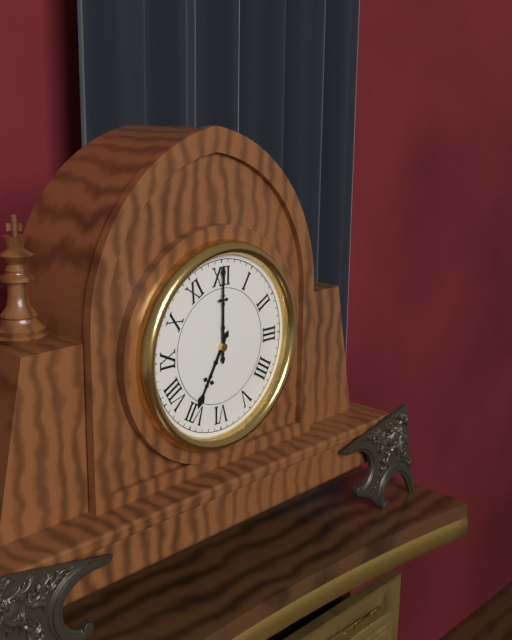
7.00
